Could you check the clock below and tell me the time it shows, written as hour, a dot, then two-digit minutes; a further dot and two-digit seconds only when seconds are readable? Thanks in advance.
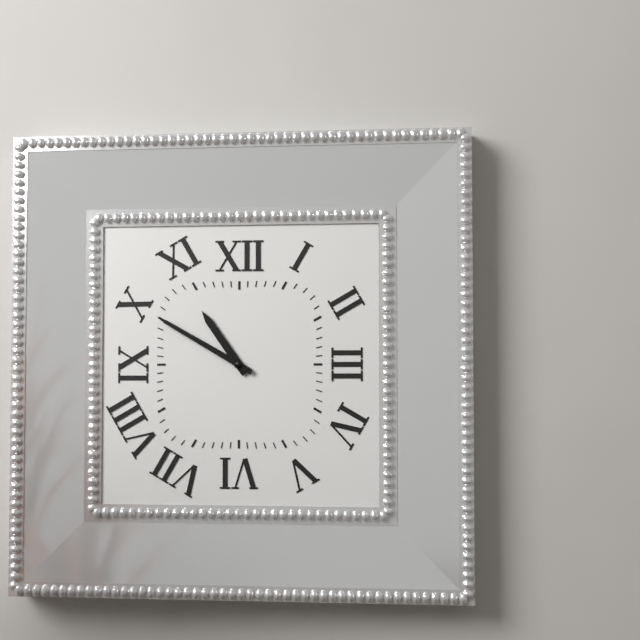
10.50
